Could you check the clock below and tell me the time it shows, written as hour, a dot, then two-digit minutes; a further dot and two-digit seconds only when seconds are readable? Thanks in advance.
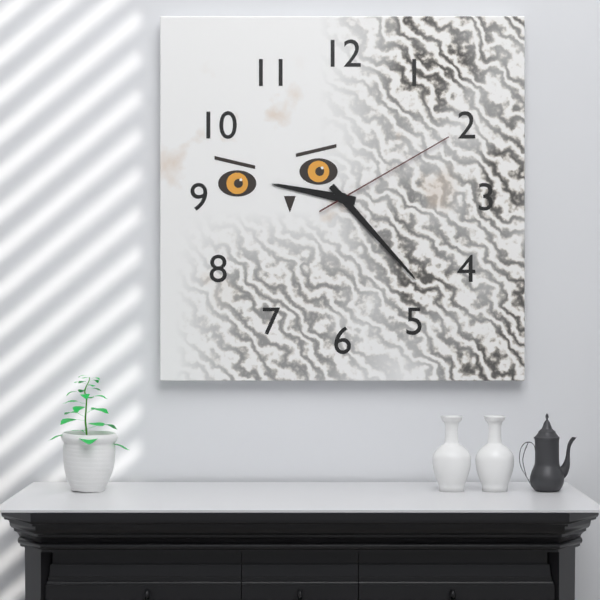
9.23.10
